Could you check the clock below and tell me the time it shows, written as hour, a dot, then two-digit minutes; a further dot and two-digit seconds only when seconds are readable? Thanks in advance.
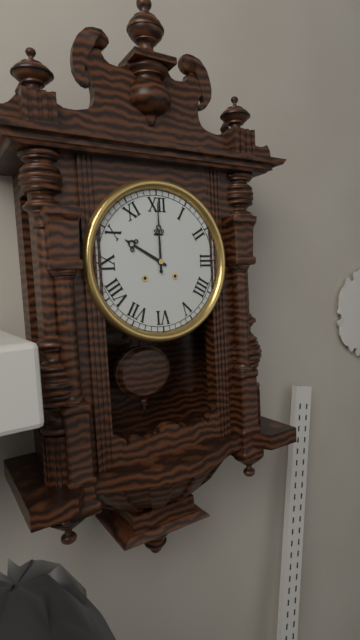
10.00
